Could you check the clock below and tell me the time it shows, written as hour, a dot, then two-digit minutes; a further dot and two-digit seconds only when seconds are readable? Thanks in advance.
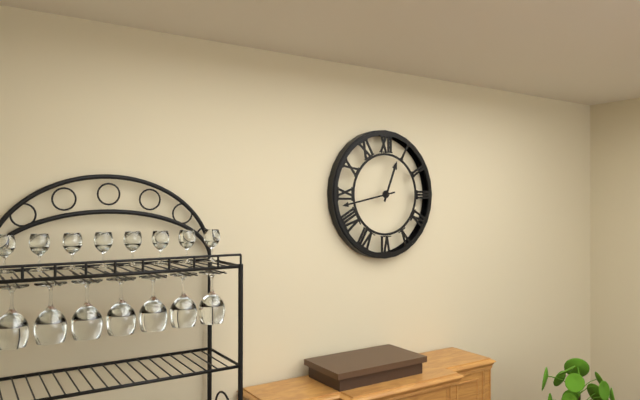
12.43
